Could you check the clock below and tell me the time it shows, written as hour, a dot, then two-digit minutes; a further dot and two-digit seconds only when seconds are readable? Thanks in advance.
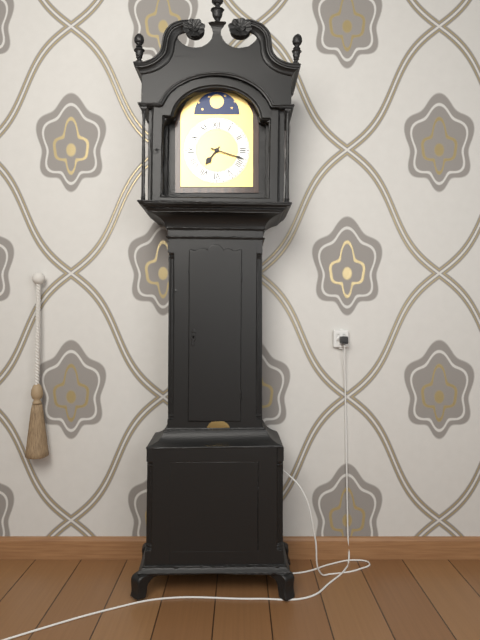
7.18
